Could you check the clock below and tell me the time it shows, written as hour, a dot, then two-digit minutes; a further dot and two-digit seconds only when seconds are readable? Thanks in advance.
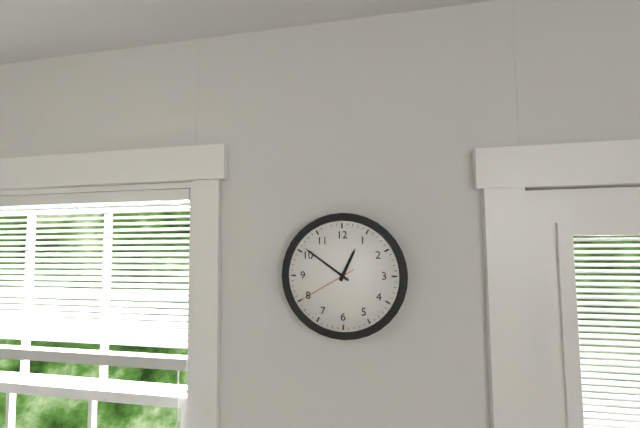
12.51.40
